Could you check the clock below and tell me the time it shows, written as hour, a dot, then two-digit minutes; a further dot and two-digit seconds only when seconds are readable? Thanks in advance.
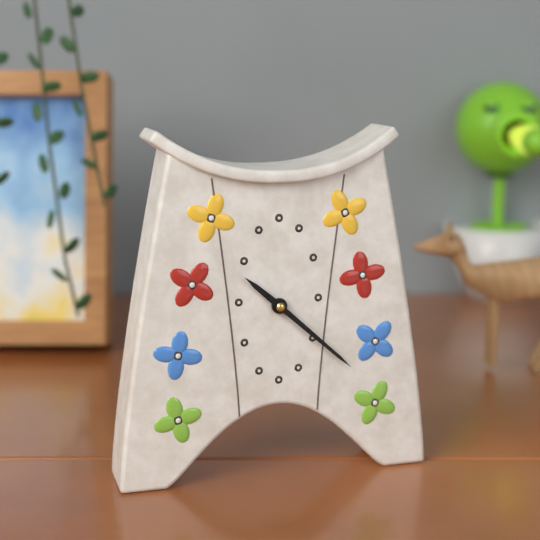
10.22
